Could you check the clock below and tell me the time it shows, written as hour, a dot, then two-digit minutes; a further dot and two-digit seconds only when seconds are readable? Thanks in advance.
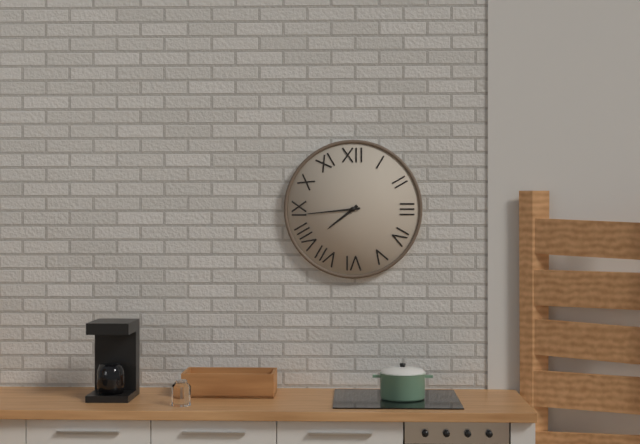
7.44
